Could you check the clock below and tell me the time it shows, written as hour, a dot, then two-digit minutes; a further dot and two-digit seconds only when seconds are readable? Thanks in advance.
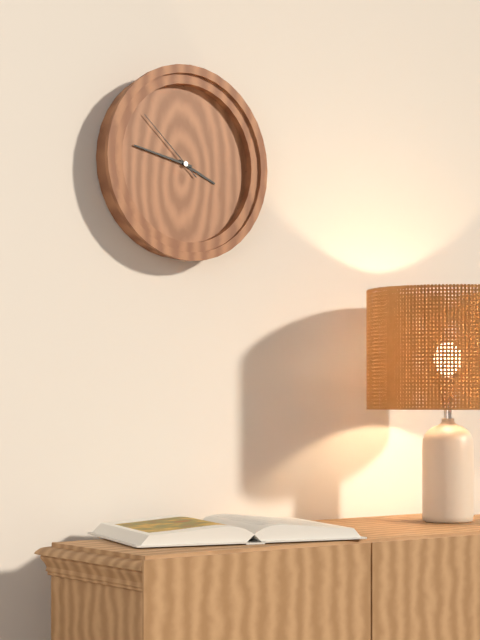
3.47.52
